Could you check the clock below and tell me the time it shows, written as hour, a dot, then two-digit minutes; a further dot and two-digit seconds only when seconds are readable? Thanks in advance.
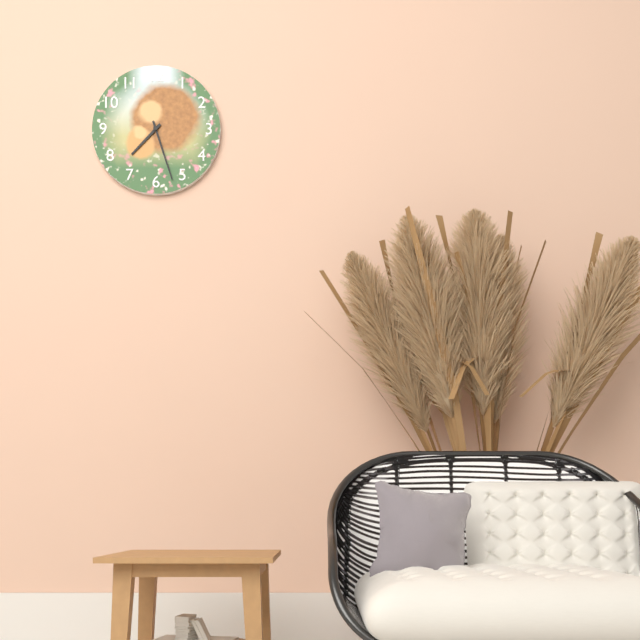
7.27
